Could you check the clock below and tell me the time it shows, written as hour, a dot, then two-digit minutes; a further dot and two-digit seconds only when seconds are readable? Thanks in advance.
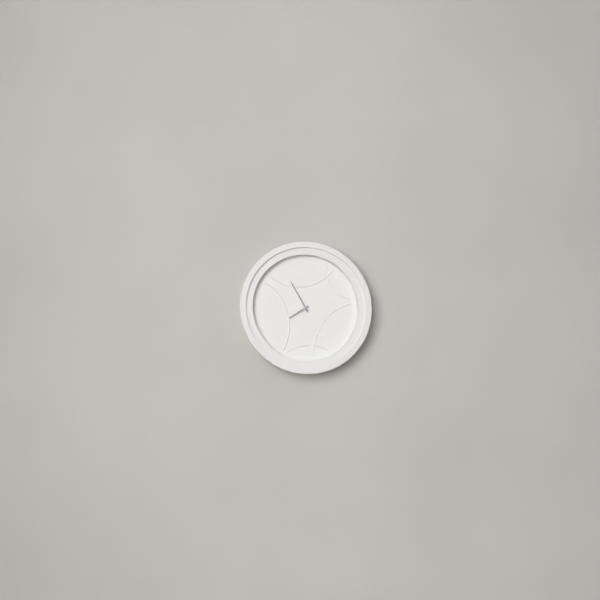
7.55
